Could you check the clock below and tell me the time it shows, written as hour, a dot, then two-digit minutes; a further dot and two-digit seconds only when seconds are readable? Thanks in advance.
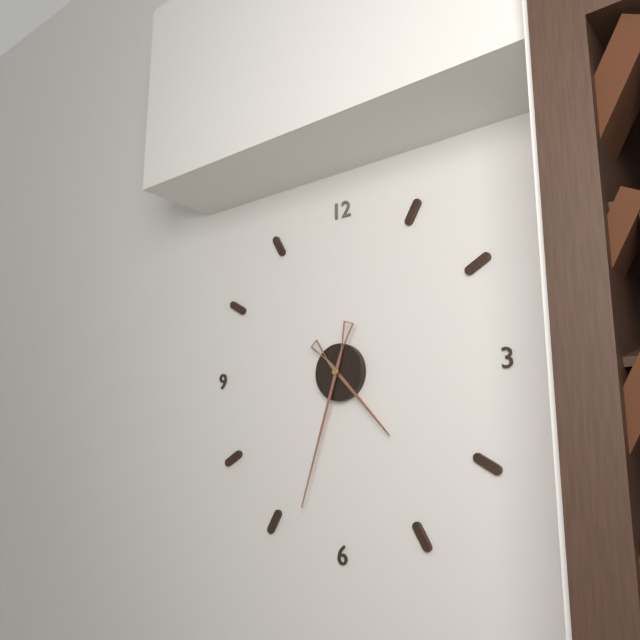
4.33
